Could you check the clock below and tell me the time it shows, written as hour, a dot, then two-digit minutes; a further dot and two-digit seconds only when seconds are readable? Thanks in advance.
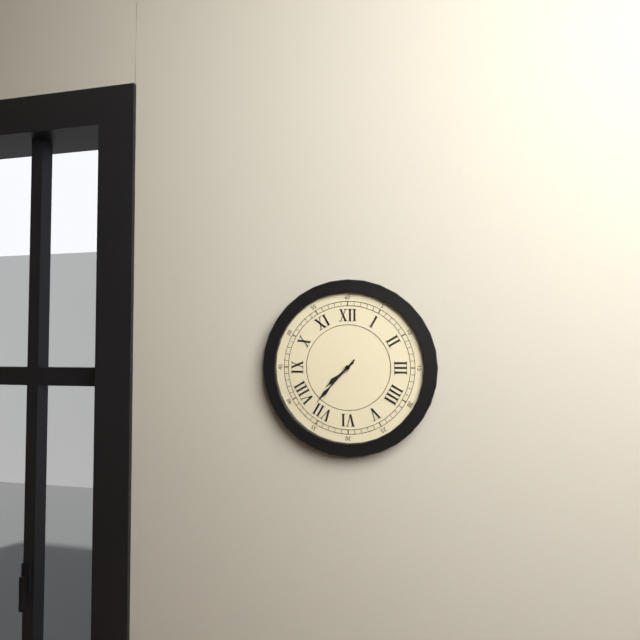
7.37
